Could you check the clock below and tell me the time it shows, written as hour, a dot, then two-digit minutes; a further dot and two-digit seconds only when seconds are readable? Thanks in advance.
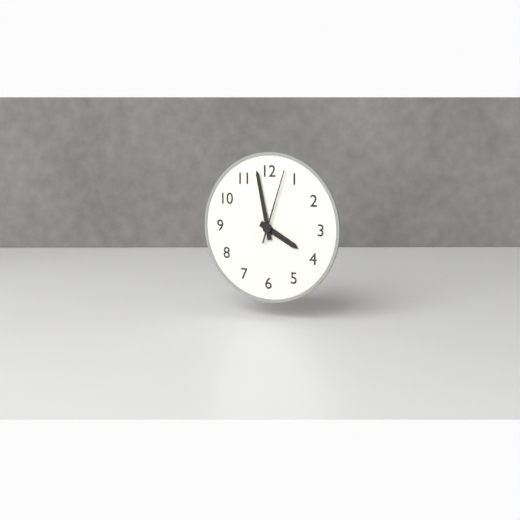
3.58.03
